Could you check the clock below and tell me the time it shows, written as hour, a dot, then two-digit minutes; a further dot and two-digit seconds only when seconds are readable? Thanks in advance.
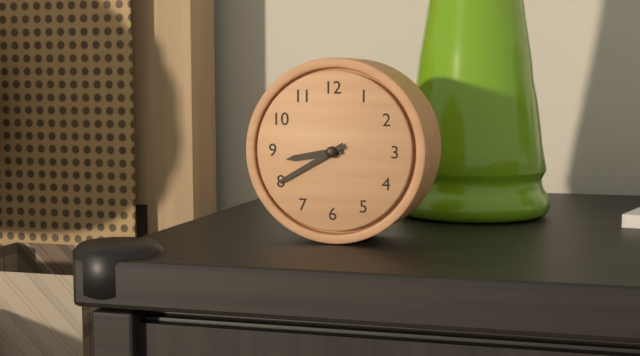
8.40
